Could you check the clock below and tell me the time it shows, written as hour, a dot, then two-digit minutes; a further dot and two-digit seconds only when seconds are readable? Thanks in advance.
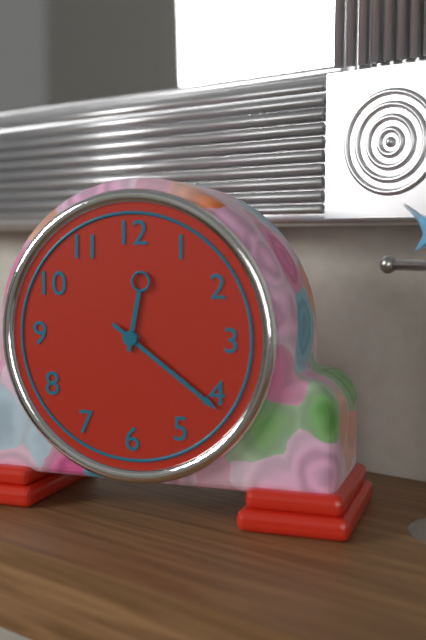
12.21
